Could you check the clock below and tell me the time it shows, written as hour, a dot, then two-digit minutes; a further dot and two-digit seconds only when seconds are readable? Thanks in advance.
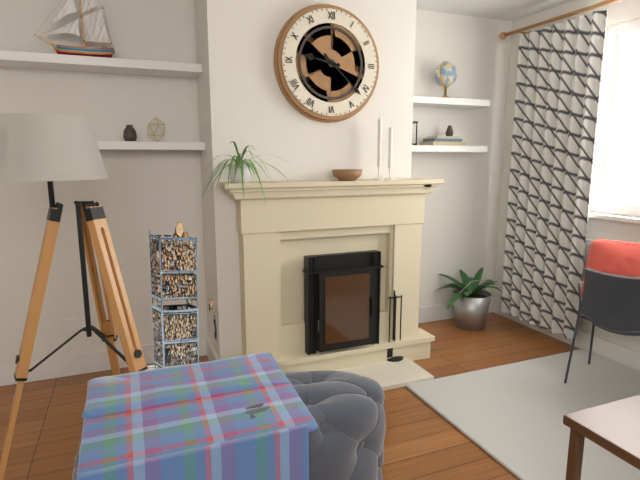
9.22
